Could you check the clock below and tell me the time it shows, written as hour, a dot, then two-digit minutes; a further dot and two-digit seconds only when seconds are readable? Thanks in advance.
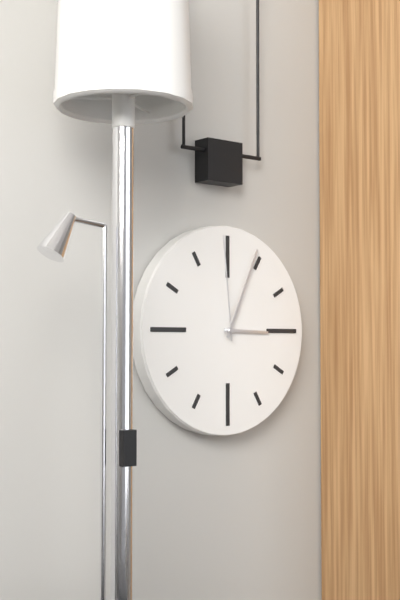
3.04.59
